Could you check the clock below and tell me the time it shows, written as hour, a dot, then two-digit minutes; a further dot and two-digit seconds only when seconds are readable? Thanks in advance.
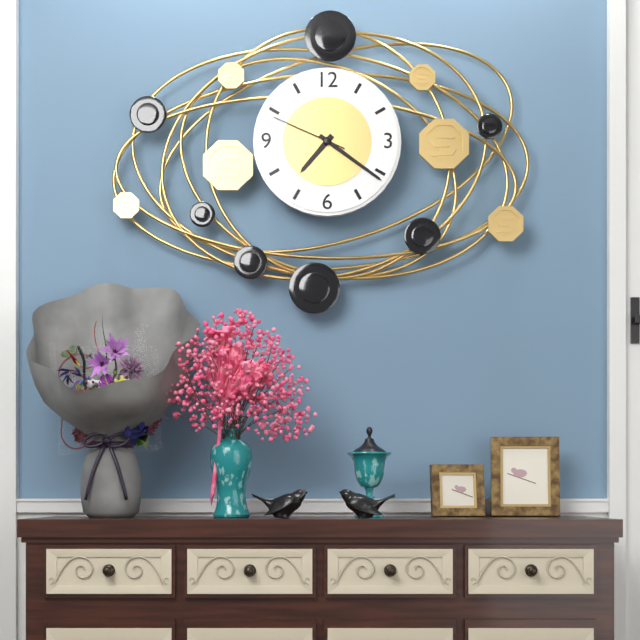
7.21.49
